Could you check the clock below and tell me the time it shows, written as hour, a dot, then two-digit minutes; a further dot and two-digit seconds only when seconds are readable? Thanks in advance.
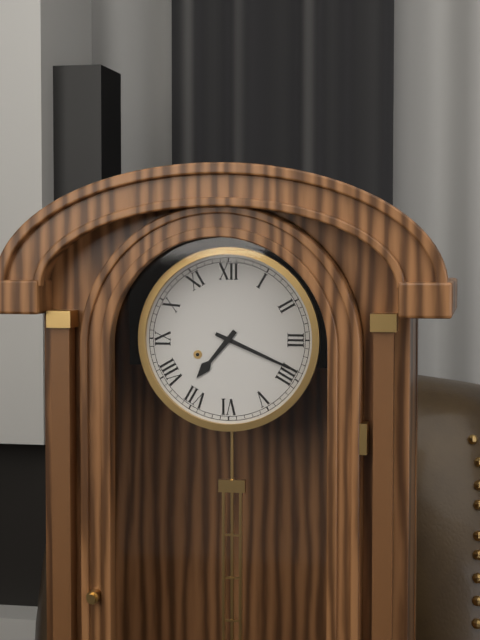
7.19
